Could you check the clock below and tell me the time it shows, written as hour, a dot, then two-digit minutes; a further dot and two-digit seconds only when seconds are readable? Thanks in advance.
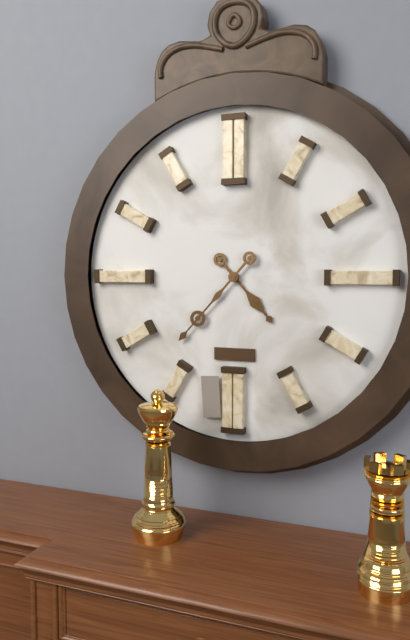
4.37
